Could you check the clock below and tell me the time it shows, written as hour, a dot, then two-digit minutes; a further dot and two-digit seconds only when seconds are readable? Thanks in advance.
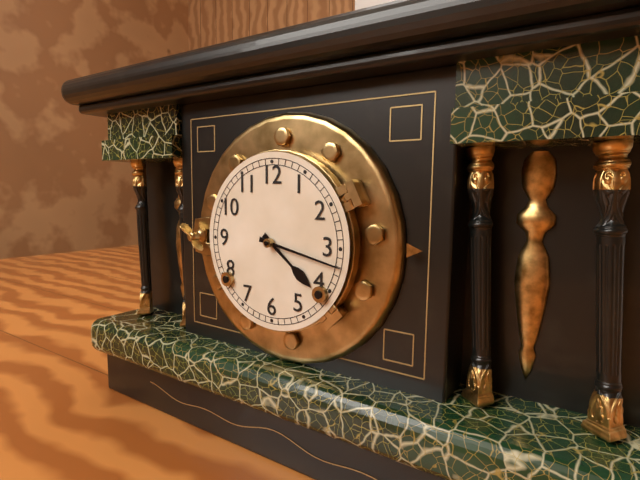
4.17
